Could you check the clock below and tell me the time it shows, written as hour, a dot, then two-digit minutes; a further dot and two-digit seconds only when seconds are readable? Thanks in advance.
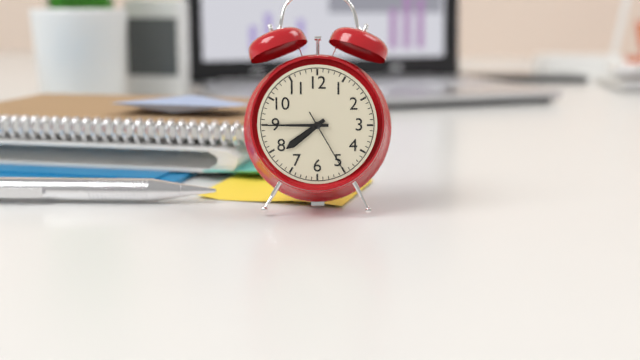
7.45.25
